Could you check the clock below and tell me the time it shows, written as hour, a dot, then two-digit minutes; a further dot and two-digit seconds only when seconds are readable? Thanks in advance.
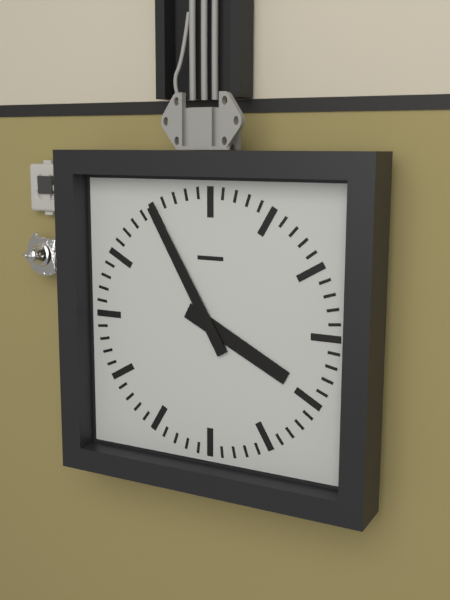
3.55
